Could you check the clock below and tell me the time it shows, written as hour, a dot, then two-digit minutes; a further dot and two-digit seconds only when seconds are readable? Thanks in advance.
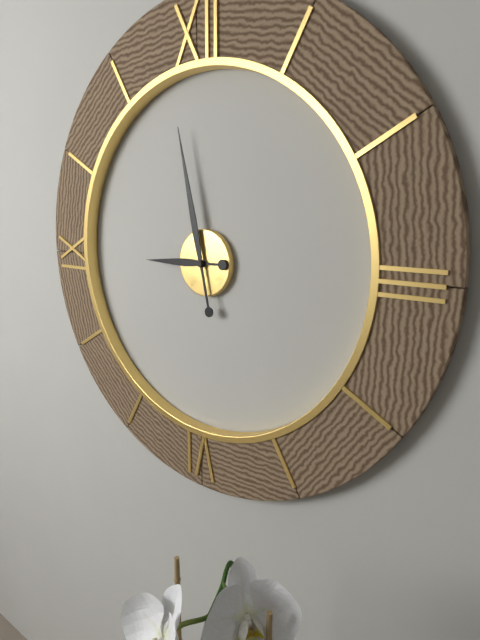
8.58
